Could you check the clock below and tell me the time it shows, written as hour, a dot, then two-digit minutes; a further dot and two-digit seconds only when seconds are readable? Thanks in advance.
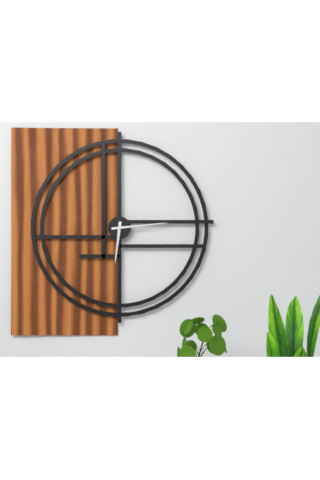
6.14
